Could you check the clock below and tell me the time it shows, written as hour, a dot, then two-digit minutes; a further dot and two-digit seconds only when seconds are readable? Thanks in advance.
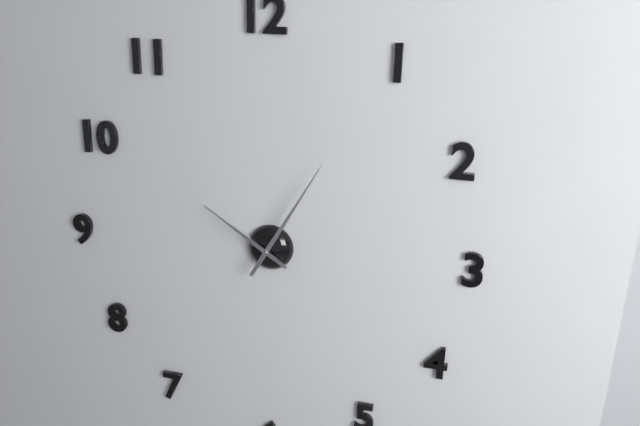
10.05
